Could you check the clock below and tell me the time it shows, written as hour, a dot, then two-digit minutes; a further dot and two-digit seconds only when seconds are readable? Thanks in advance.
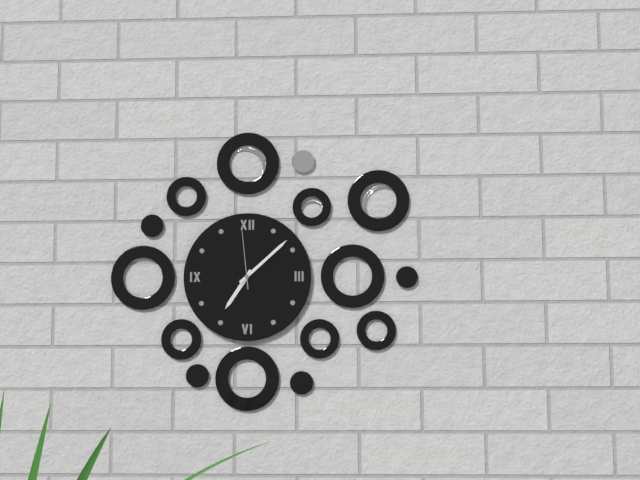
7.08.59
